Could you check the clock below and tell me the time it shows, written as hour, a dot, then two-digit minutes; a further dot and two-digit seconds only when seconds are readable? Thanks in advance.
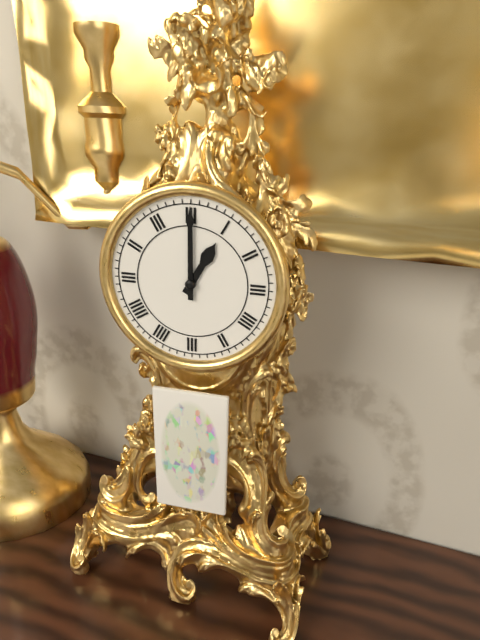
1.00
